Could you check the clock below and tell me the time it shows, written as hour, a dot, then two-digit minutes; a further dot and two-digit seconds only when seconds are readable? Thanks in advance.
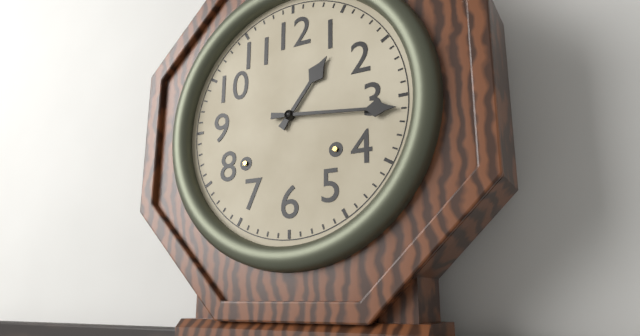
1.16
